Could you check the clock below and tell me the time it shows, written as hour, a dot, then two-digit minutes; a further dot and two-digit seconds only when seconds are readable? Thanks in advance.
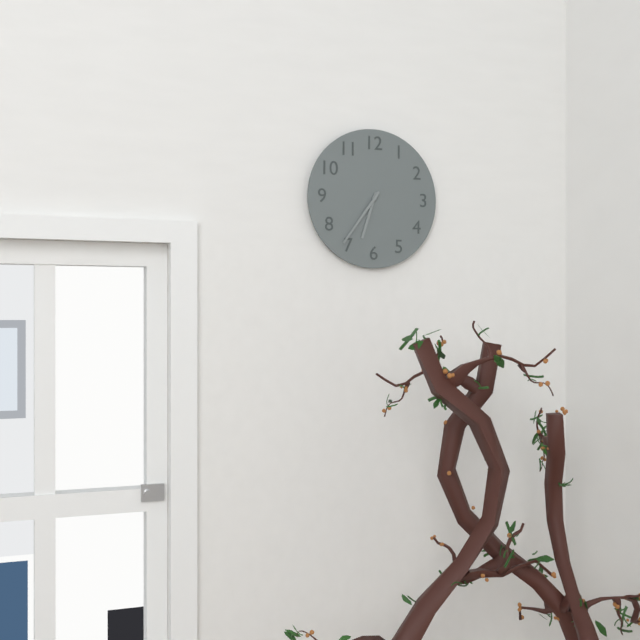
6.36
